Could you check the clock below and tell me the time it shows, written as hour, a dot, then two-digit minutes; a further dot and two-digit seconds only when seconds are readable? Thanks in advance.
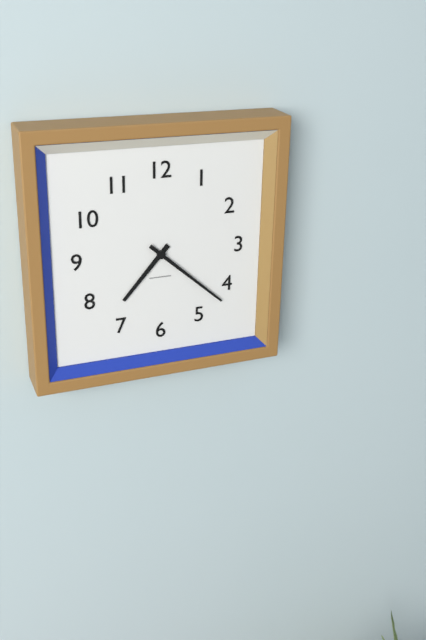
7.22
